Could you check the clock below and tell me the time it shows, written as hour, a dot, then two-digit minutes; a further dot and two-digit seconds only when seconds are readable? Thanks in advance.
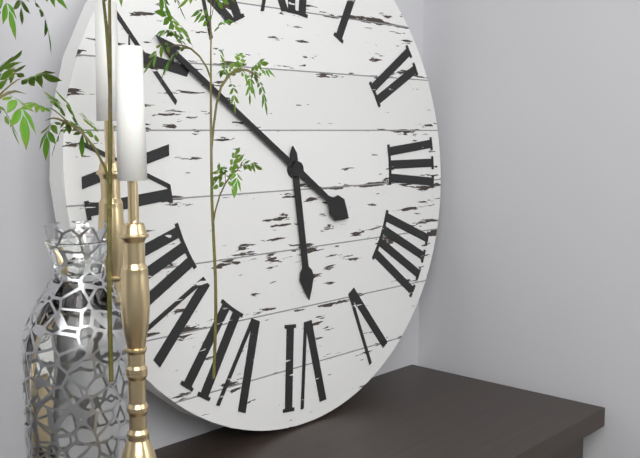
5.51
